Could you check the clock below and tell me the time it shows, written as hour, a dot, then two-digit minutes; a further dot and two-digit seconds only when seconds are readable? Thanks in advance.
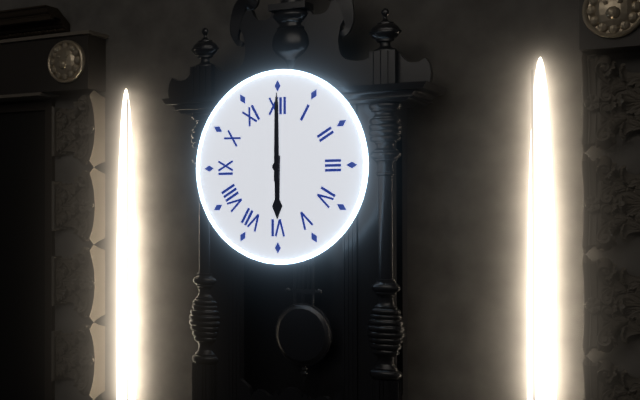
6.00
